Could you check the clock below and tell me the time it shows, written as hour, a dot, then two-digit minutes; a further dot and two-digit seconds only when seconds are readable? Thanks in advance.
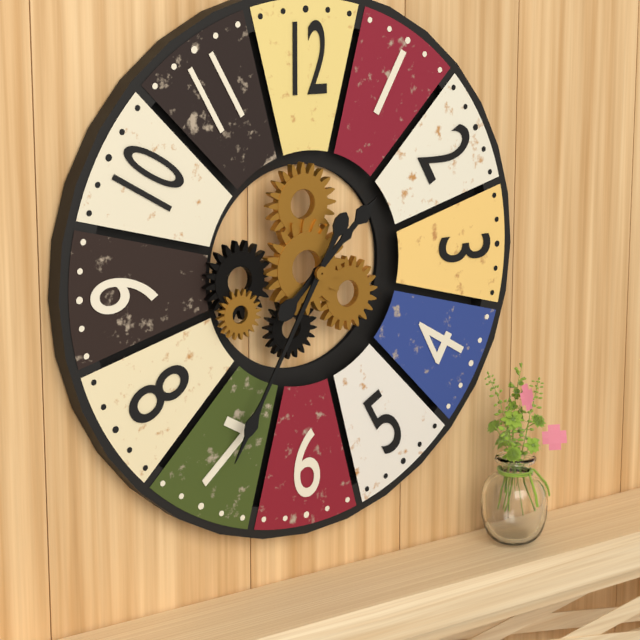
1.35
